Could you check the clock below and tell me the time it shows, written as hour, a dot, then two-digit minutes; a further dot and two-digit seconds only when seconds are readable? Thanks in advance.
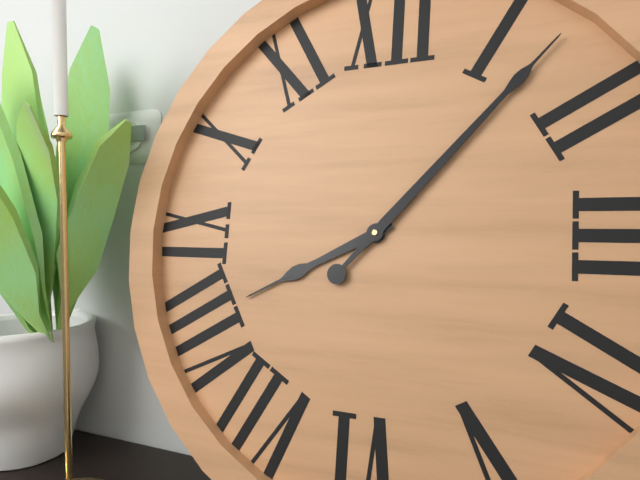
8.07
